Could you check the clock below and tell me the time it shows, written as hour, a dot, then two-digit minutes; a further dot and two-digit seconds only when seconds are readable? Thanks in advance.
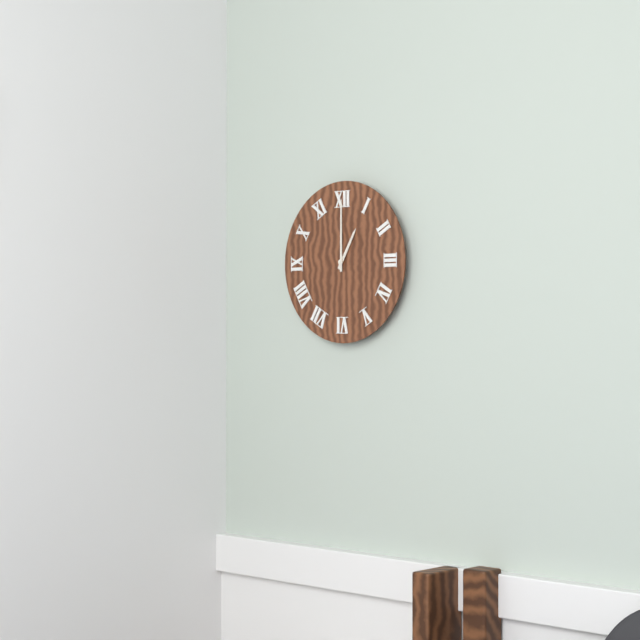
1.00
